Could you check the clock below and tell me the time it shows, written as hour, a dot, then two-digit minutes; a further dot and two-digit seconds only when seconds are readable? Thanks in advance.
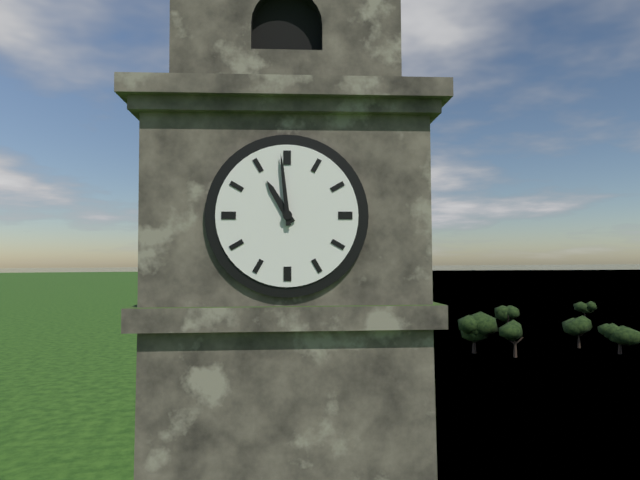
10.59
